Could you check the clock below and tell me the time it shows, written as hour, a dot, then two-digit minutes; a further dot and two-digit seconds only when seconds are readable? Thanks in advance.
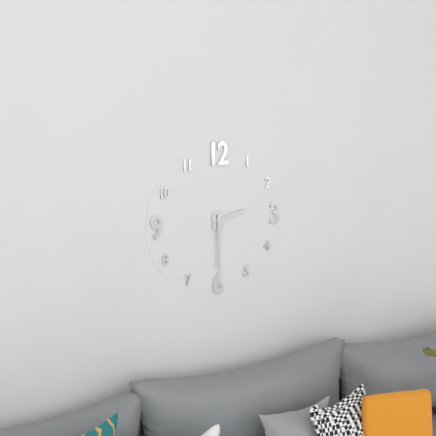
2.30
